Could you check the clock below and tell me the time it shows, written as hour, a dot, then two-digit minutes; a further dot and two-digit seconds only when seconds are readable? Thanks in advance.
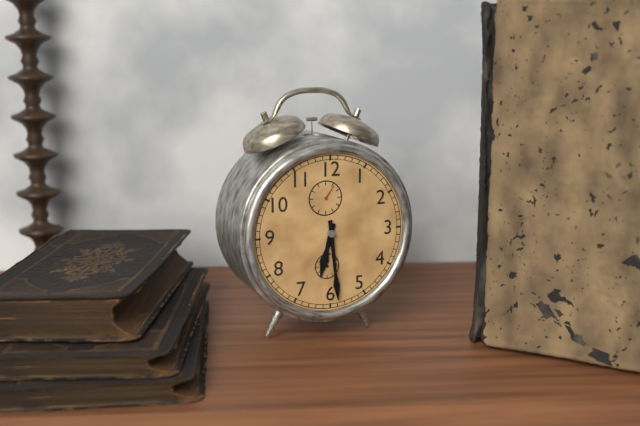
6.29
